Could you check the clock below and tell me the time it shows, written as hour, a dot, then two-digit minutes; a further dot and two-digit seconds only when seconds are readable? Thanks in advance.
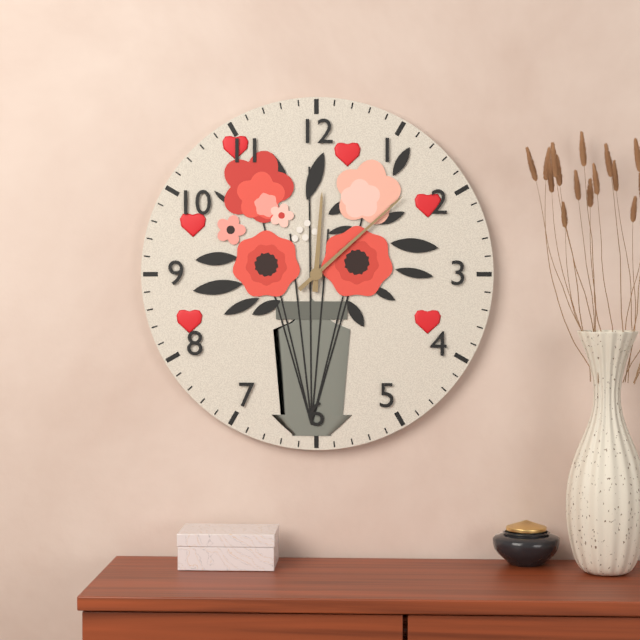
12.08
